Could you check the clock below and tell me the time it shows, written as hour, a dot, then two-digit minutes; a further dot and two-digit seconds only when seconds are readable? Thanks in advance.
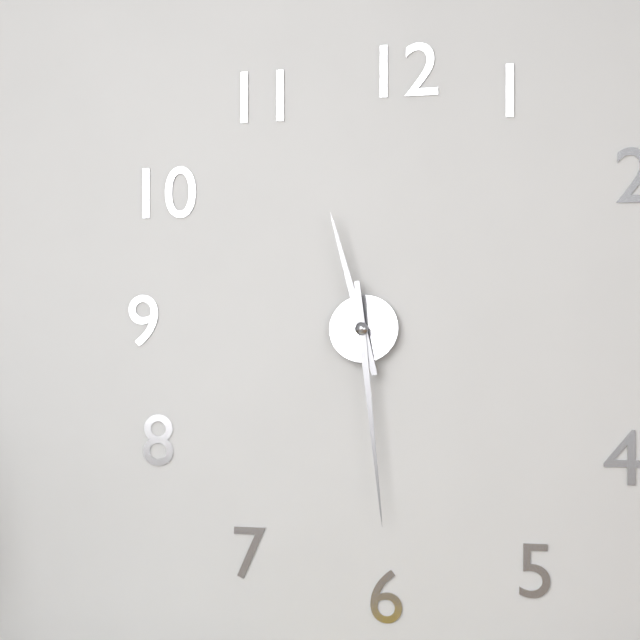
11.29
